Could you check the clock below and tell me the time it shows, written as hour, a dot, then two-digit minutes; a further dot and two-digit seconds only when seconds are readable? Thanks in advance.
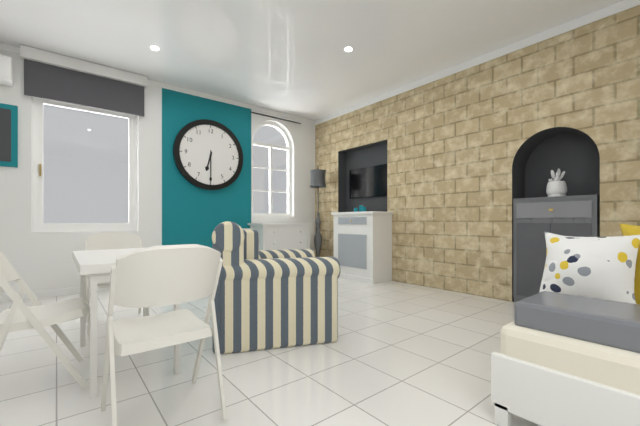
6.30
